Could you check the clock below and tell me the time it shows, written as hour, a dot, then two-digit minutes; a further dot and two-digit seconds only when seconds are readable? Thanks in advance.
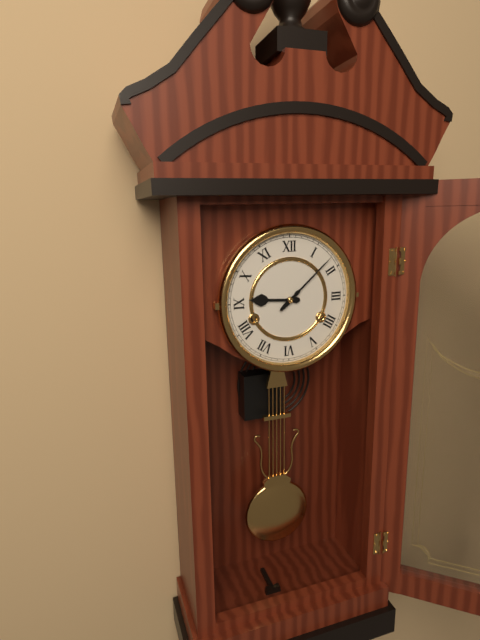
9.08
